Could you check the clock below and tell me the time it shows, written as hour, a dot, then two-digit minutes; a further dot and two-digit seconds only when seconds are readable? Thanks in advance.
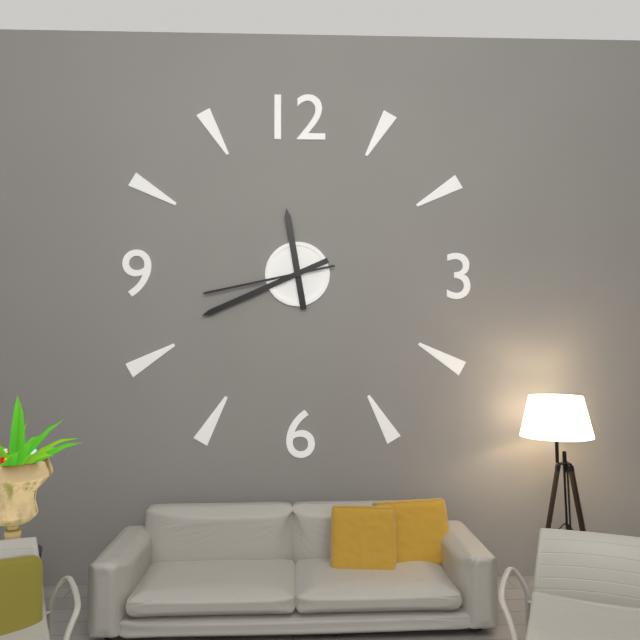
11.41.43
